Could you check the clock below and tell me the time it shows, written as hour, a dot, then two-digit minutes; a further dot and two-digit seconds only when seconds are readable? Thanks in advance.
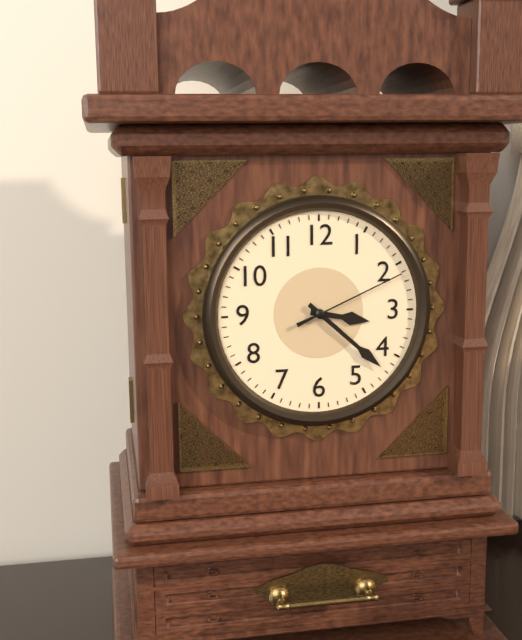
3.22.11
